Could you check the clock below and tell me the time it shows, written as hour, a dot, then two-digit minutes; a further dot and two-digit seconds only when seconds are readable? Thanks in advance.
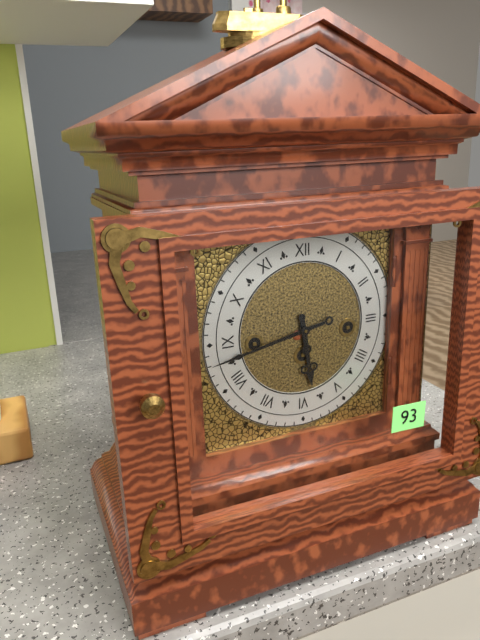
5.43
